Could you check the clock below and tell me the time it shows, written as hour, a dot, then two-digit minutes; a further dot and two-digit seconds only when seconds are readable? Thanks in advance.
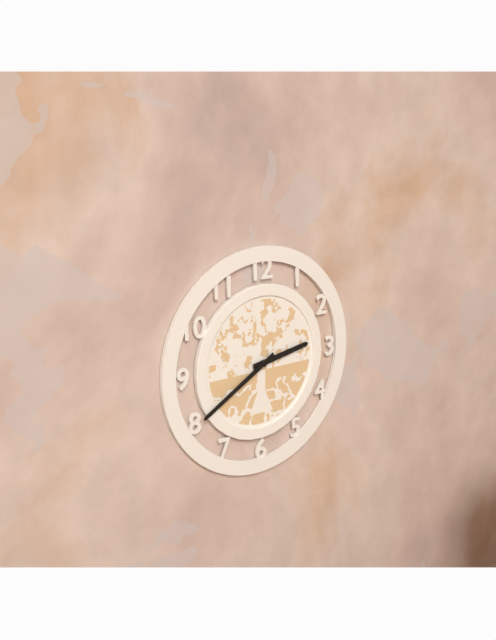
2.40
